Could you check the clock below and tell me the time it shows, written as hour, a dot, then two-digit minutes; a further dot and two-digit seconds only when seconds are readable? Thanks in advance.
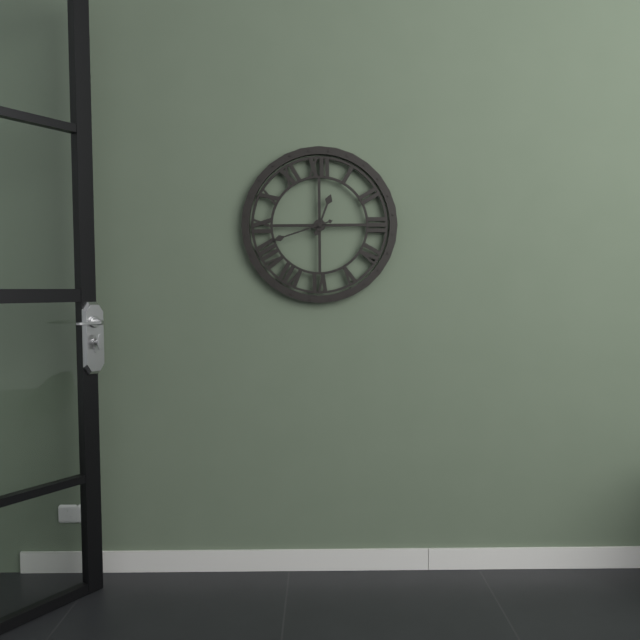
12.42
